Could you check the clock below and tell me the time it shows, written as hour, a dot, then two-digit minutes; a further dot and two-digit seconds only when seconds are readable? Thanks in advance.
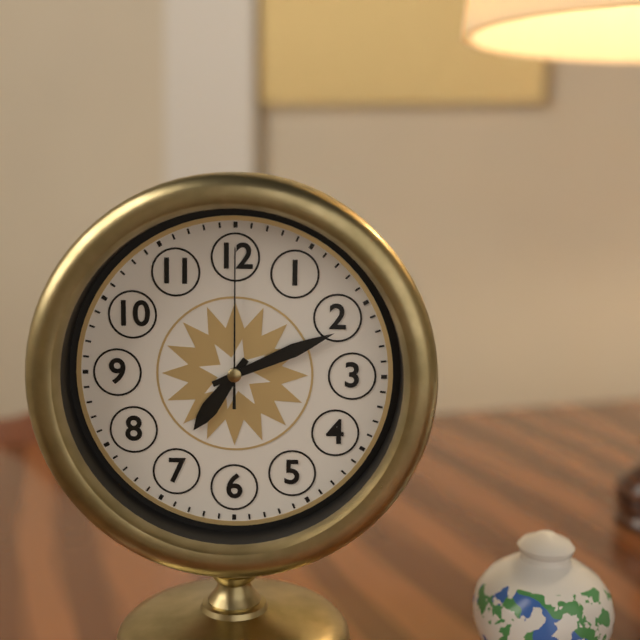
7.11.00
